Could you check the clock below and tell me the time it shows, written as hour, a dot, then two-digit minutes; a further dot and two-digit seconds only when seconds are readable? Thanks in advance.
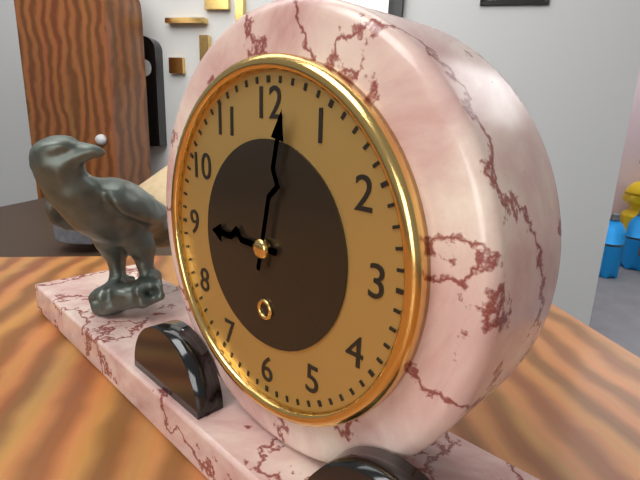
9.02
